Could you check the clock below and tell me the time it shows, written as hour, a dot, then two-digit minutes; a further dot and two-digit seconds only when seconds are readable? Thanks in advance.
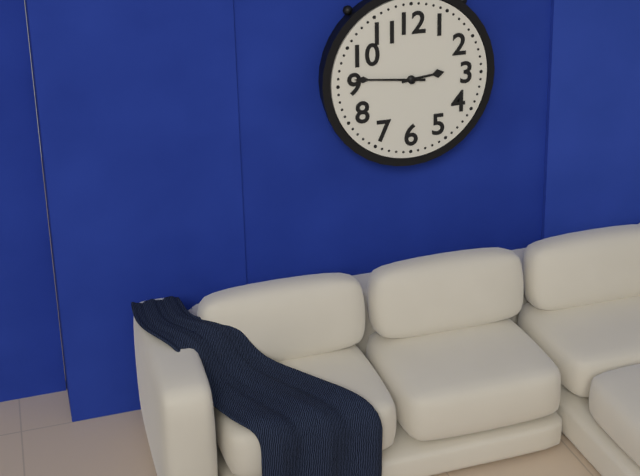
2.46
